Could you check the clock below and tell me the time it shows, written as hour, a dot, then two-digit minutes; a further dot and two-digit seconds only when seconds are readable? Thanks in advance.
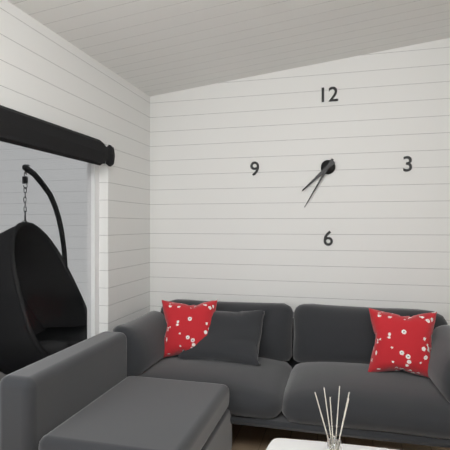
7.35
